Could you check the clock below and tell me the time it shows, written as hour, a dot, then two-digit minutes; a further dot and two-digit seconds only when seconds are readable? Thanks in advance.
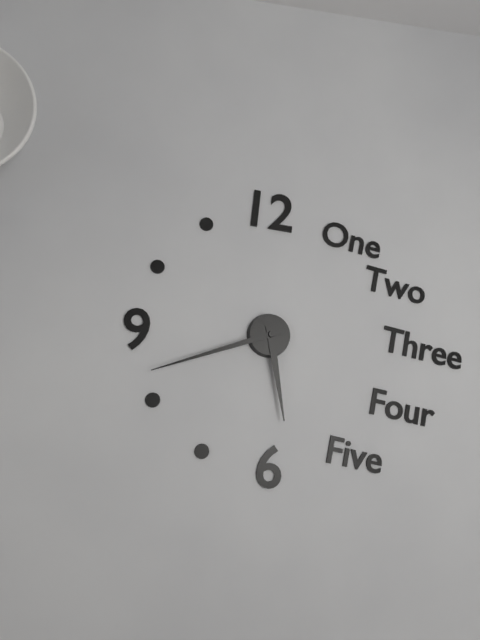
5.42
